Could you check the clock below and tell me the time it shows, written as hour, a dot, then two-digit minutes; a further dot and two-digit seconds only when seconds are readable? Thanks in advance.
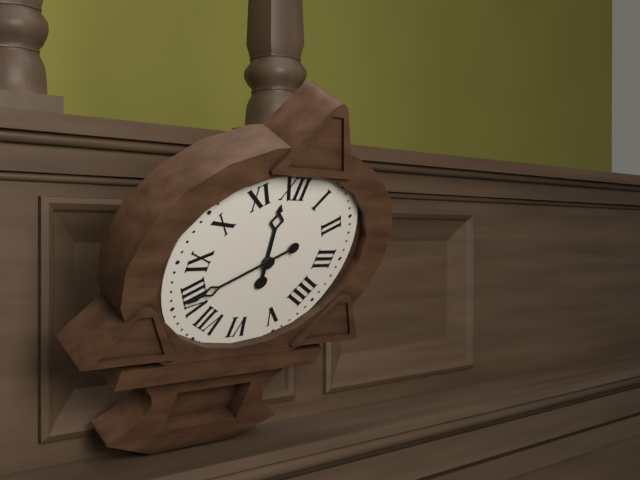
11.40
